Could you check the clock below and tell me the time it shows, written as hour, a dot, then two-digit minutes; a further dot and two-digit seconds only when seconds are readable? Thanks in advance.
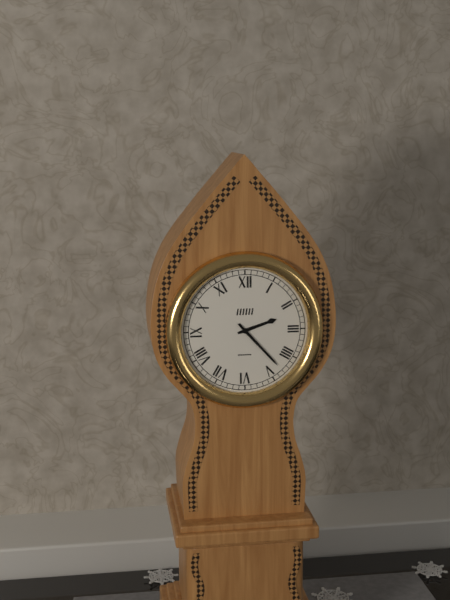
2.23
